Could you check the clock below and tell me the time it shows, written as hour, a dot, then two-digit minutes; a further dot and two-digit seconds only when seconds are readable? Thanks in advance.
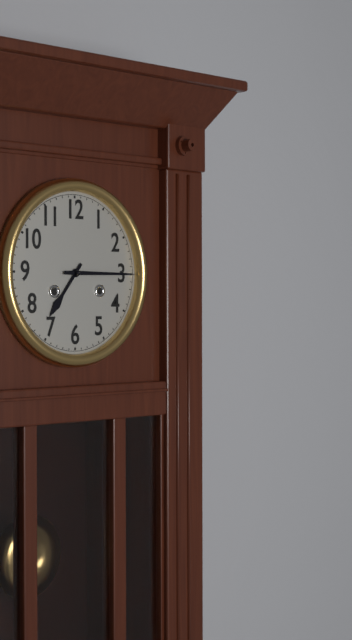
7.15
